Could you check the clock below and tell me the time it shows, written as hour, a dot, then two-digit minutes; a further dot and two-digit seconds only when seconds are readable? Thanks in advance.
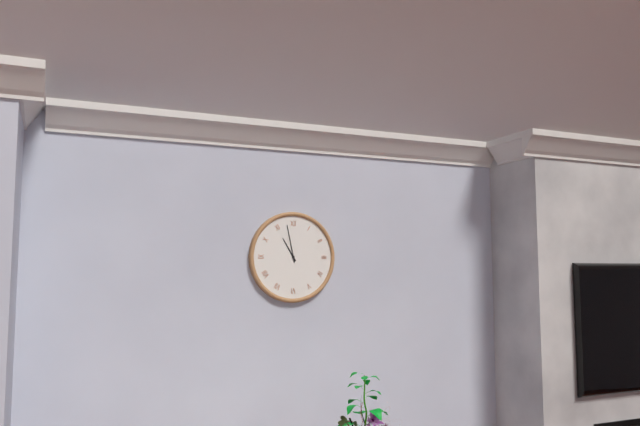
10.58
